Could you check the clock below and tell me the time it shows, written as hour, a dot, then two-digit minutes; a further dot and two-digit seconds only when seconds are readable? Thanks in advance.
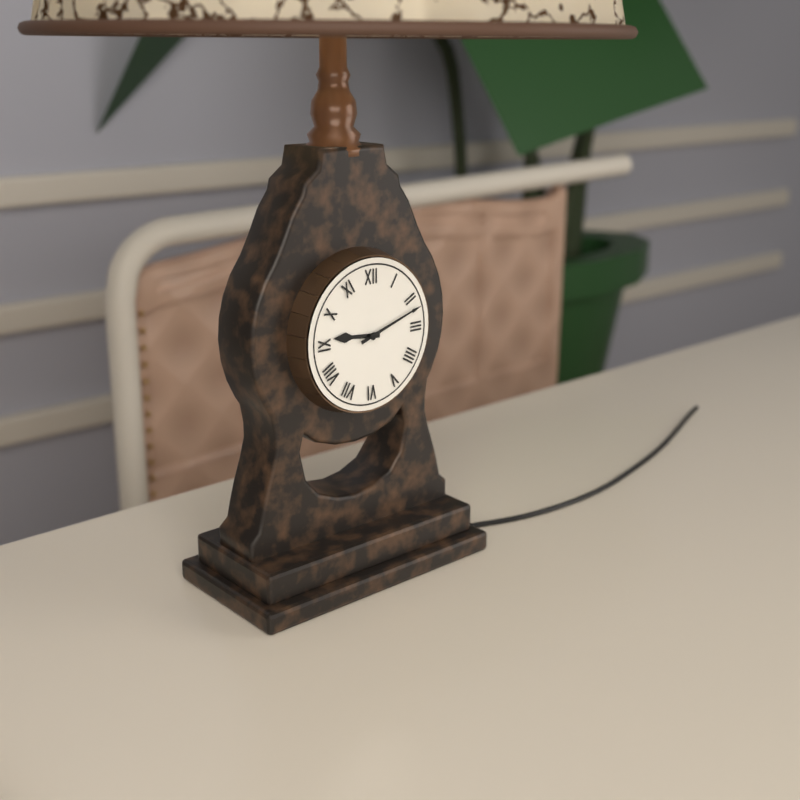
9.12
